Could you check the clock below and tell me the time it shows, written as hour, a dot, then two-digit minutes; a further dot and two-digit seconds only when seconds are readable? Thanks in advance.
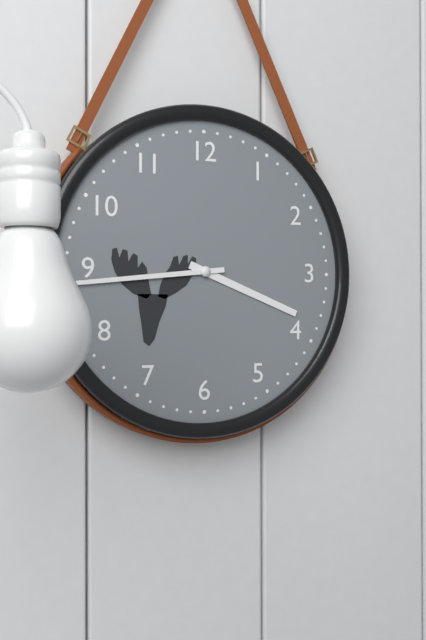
3.44
